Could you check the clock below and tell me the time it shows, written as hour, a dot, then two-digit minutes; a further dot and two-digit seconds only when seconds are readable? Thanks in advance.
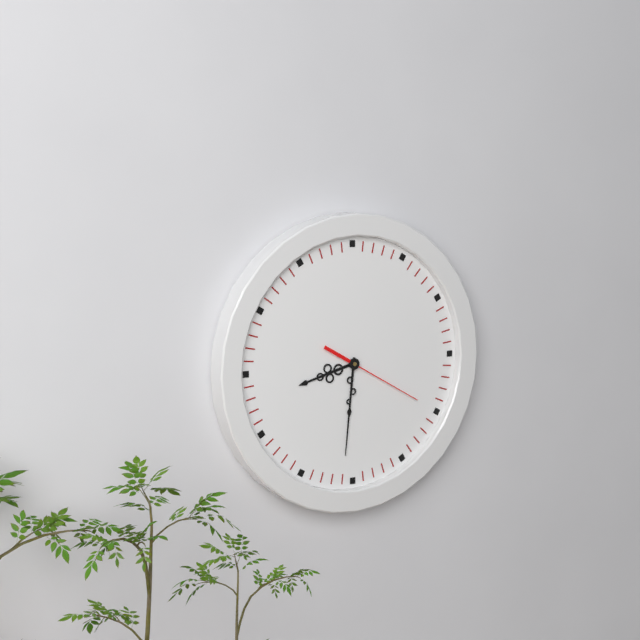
8.31.20
